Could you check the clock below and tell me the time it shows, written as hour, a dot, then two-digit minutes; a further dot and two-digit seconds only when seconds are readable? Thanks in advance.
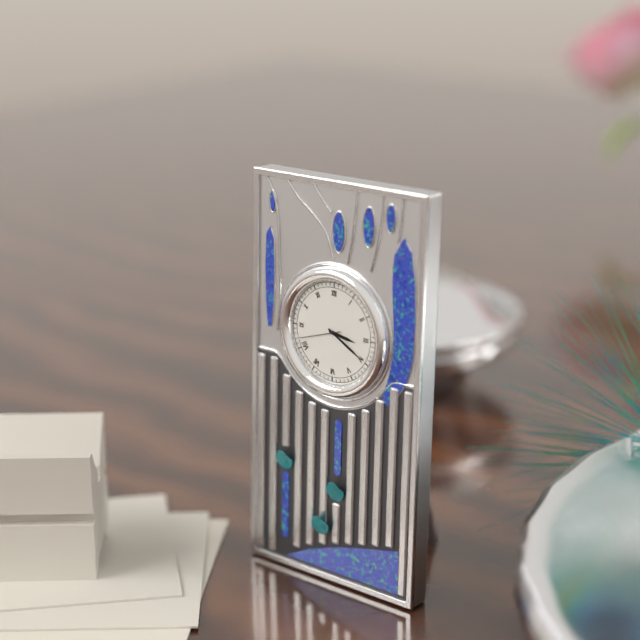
3.20
